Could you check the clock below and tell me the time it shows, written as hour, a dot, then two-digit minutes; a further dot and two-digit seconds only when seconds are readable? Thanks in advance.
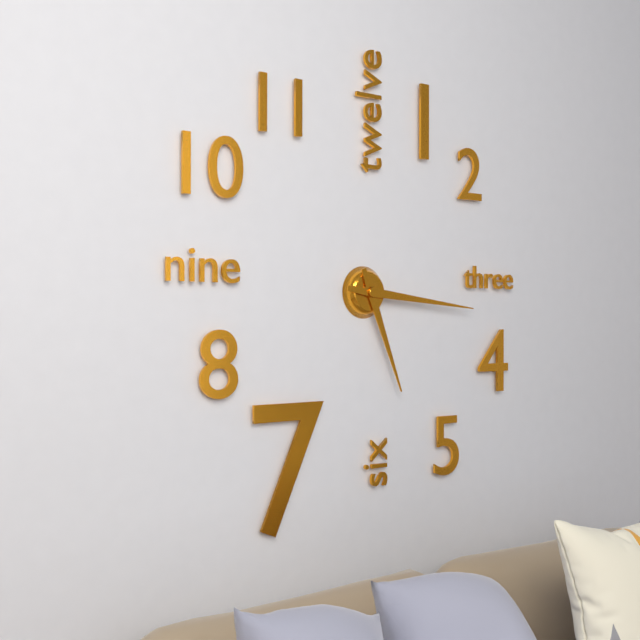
5.16
